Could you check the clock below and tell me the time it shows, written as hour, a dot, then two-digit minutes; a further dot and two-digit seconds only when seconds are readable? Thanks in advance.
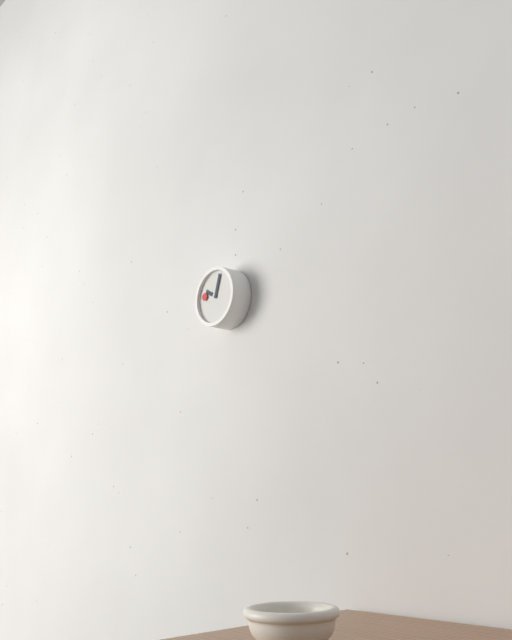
10.03
